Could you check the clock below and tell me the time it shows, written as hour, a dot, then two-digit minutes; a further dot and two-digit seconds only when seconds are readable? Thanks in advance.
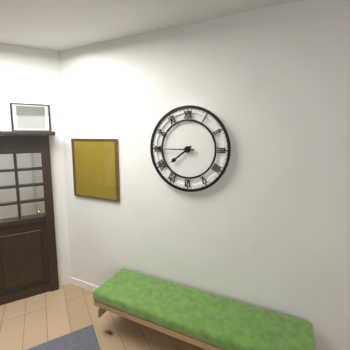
7.45
